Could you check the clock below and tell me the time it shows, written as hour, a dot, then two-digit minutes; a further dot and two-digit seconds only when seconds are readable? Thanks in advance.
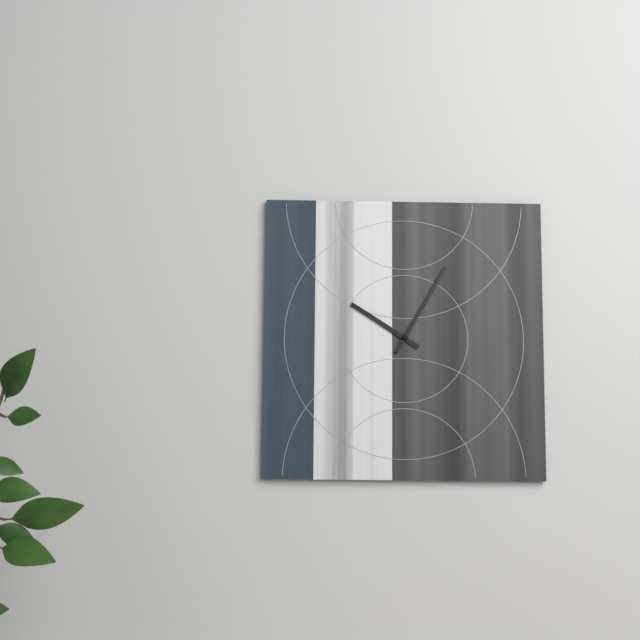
10.05
